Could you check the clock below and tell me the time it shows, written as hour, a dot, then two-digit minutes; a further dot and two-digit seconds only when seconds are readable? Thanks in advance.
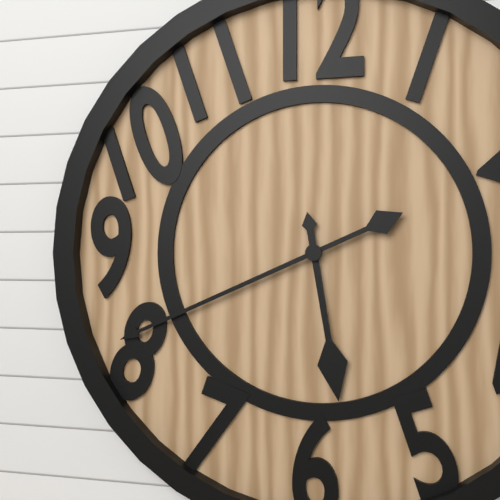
5.41
